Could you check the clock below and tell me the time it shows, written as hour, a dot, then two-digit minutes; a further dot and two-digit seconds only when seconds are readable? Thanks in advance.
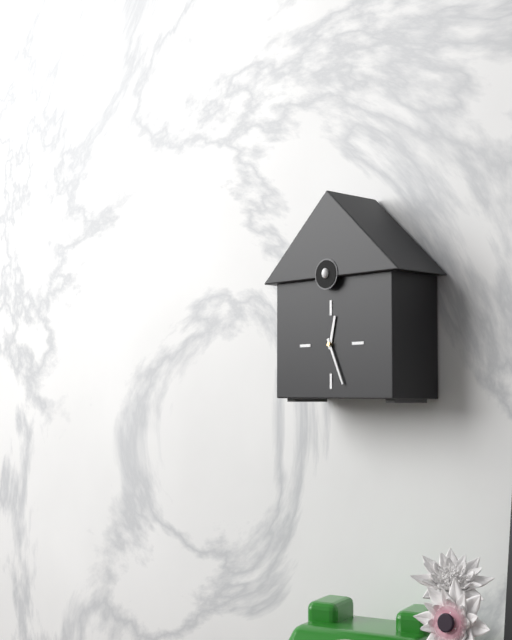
12.26
